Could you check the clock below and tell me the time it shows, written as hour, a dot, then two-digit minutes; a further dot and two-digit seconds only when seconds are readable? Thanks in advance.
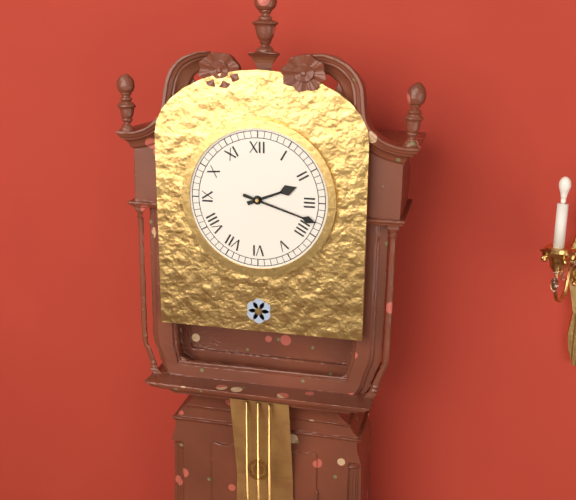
2.18
